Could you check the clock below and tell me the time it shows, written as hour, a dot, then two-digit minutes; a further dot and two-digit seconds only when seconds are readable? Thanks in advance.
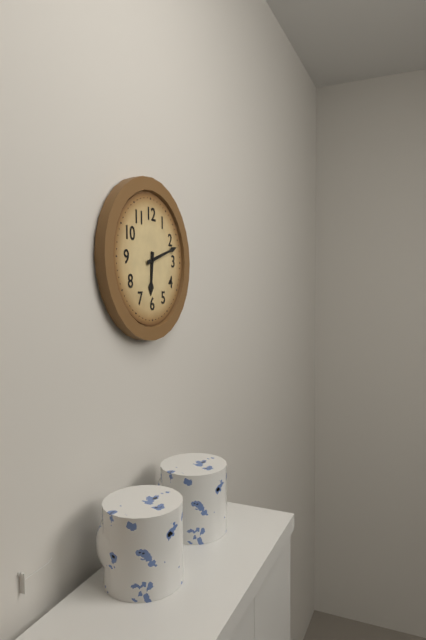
6.12
